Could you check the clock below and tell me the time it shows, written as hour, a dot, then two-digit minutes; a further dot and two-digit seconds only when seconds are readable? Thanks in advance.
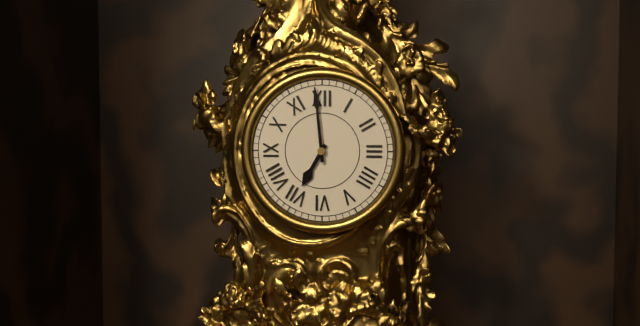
6.59
